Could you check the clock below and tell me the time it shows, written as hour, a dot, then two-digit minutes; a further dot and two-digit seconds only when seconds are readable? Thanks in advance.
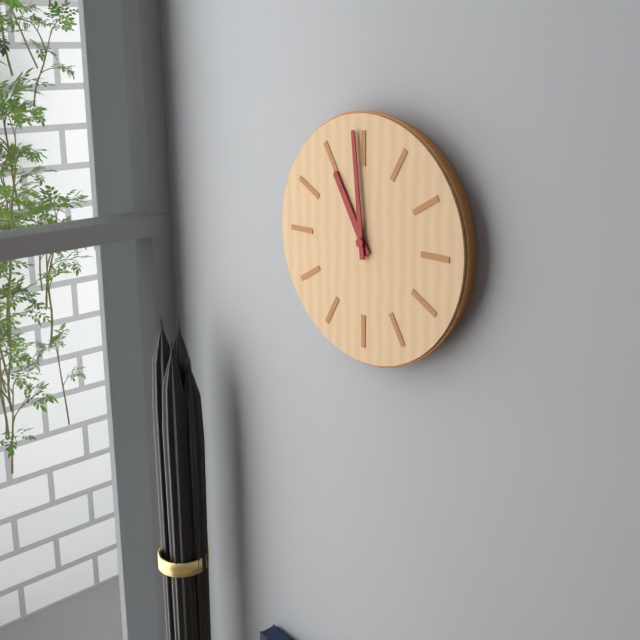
10.59
